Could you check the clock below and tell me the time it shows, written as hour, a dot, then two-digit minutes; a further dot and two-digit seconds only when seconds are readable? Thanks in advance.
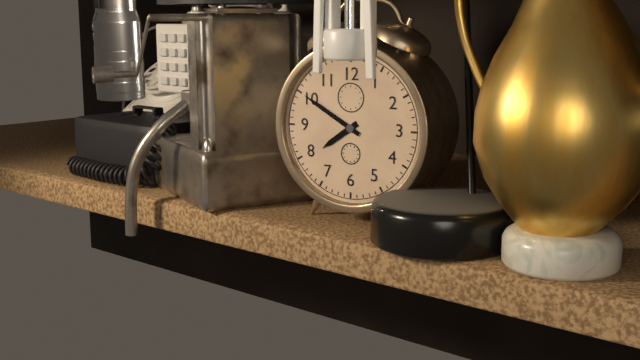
7.50
